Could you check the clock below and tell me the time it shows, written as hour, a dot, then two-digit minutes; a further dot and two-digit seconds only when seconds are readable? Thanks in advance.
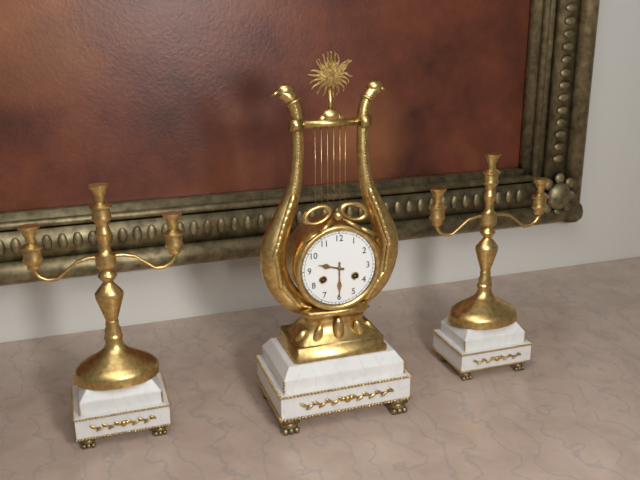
9.30
